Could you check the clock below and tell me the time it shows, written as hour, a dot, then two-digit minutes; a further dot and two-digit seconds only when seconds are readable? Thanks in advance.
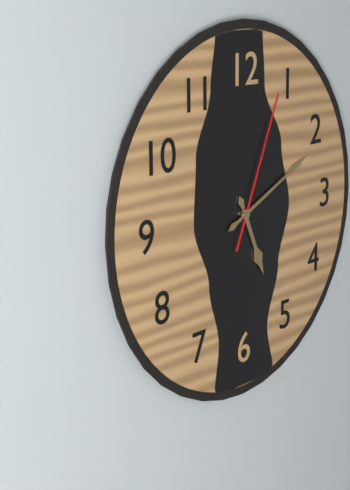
5.11.04
